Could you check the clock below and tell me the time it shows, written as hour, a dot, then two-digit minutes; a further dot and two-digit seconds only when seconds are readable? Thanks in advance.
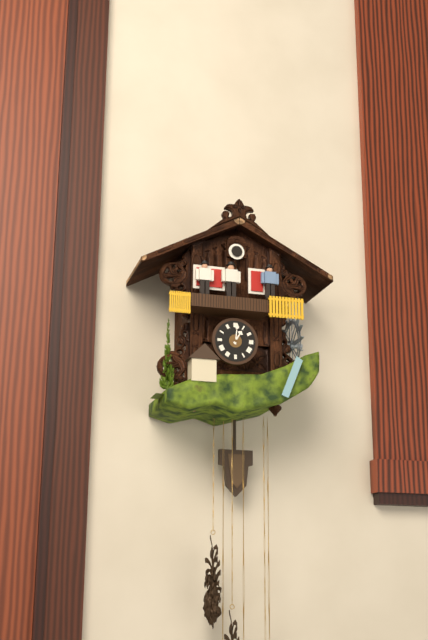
1.01
